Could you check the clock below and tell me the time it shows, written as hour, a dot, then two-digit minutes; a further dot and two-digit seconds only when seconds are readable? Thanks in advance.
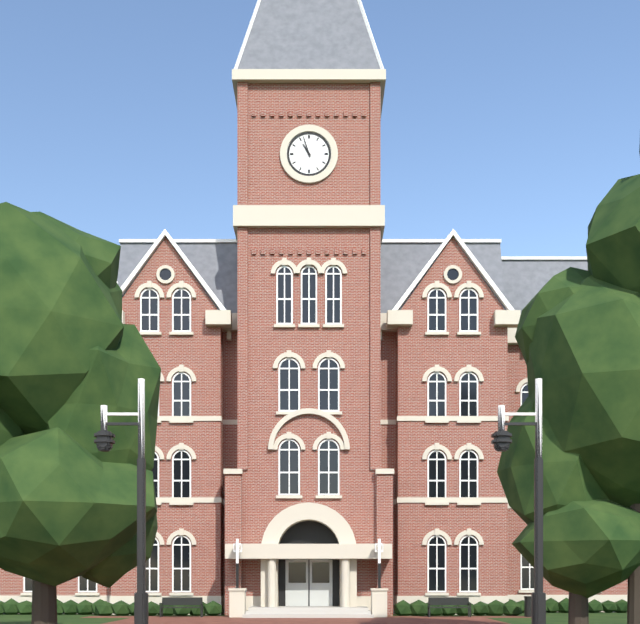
10.57
